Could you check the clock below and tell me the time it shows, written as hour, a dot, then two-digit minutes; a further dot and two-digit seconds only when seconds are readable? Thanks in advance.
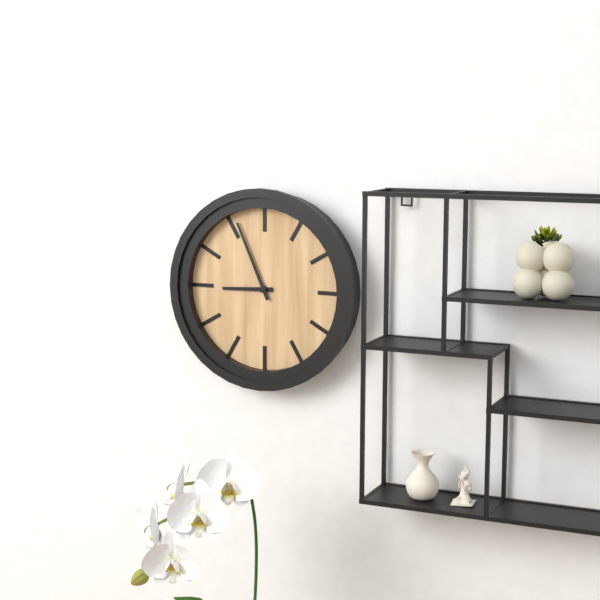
8.56
